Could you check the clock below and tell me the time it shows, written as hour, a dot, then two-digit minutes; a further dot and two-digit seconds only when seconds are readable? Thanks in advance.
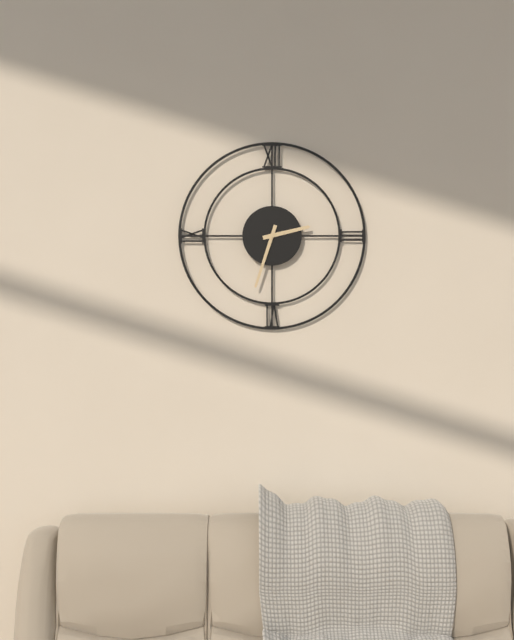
2.33
